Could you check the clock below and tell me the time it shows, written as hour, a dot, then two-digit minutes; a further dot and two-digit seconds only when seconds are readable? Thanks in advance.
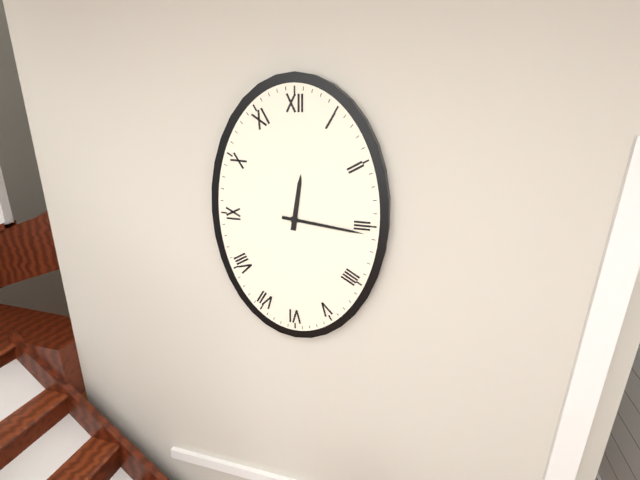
12.16
